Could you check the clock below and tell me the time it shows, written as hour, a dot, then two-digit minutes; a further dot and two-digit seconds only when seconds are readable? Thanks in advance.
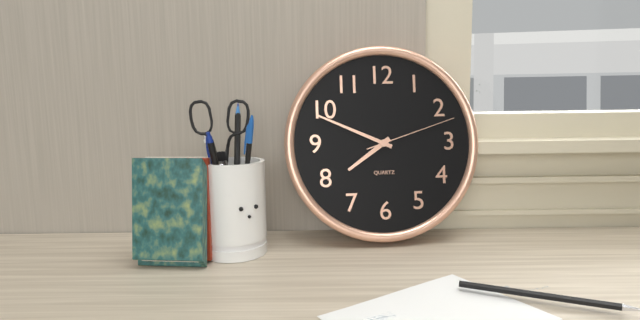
7.49.12
